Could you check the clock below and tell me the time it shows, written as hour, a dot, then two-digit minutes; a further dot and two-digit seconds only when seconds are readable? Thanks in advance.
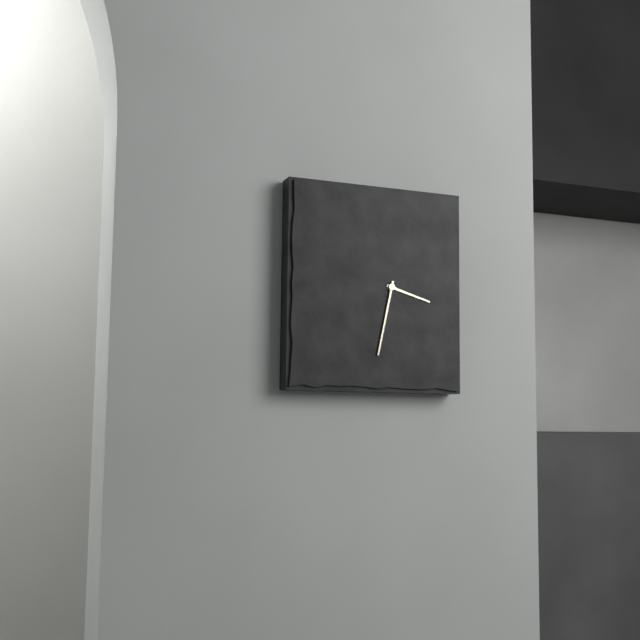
3.32
